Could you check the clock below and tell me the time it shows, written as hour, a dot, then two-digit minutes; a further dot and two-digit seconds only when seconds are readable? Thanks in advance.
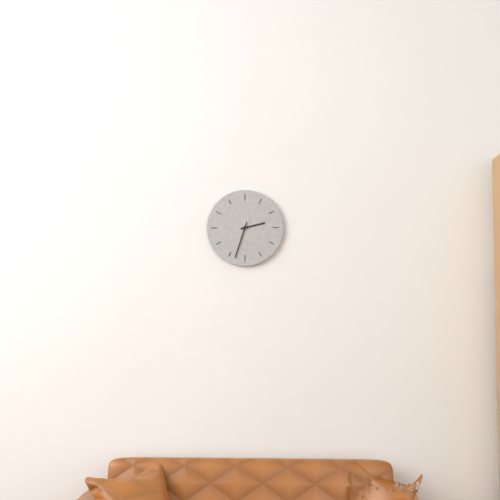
2.33
